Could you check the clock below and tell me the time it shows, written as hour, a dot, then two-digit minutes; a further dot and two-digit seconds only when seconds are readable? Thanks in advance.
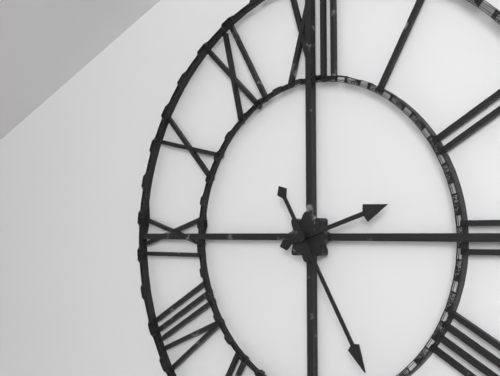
2.25
